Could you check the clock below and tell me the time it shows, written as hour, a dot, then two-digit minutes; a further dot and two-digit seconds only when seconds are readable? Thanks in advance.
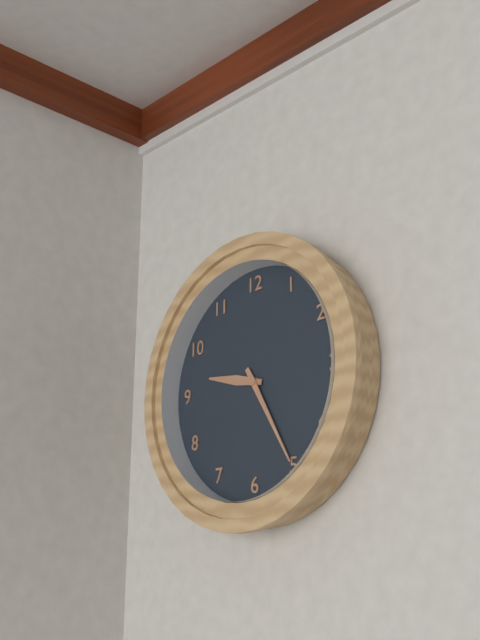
9.25
